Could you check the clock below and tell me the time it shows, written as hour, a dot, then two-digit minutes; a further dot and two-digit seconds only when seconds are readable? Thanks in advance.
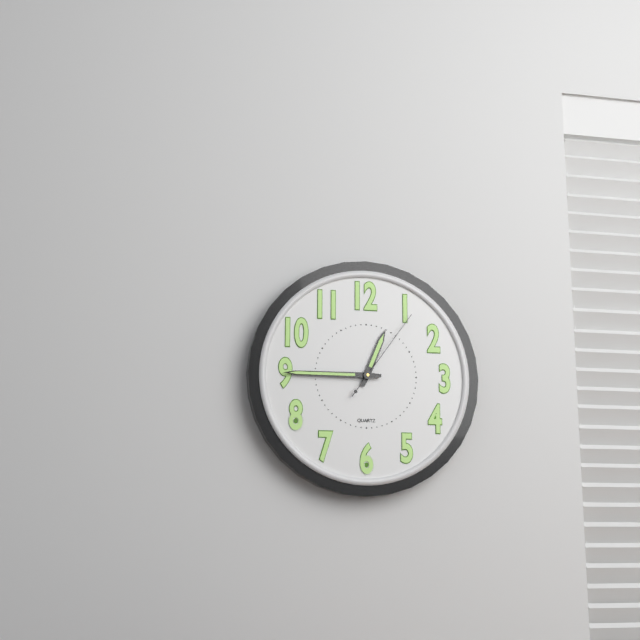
12.45.06
